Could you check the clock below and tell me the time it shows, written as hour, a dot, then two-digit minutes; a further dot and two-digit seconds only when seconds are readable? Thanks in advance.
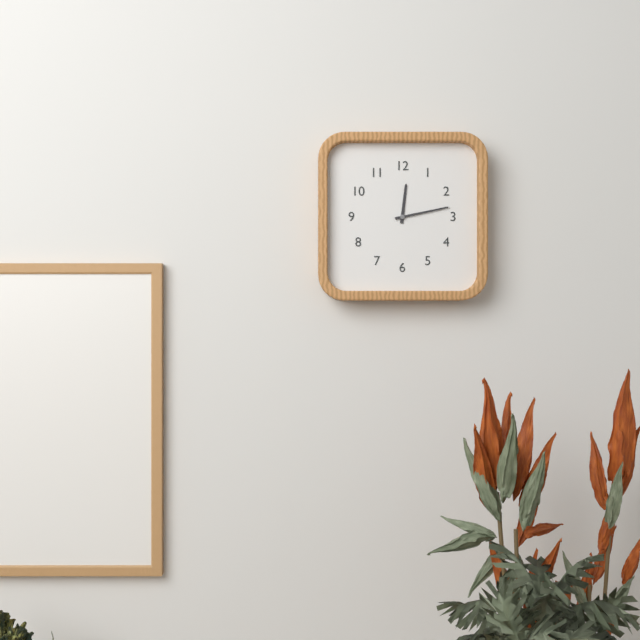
12.13
